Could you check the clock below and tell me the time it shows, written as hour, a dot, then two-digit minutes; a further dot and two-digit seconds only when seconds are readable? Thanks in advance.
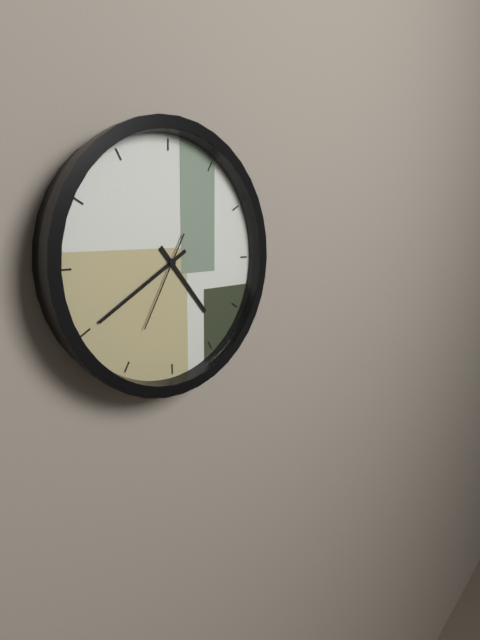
4.40.35
